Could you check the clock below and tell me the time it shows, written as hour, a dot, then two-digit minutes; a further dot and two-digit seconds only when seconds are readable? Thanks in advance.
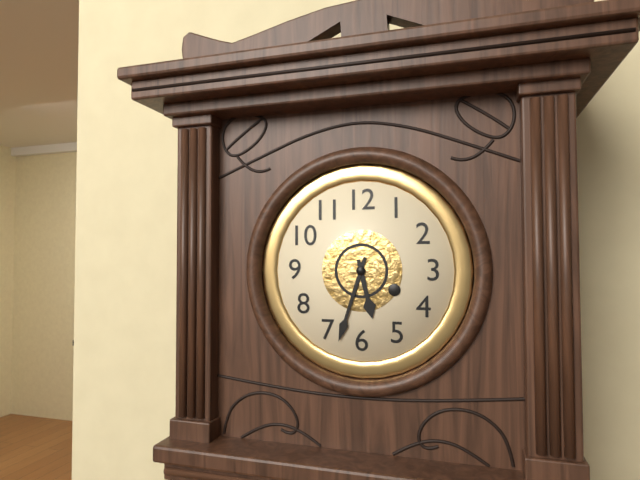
5.33
